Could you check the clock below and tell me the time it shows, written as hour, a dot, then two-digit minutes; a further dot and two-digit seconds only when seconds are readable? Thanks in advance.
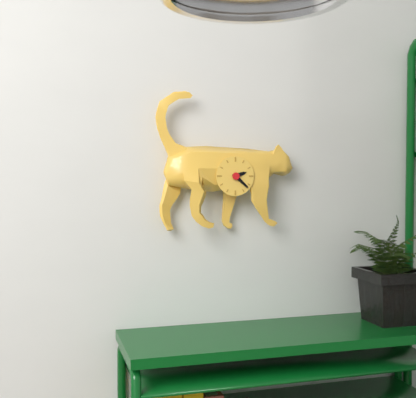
2.22
